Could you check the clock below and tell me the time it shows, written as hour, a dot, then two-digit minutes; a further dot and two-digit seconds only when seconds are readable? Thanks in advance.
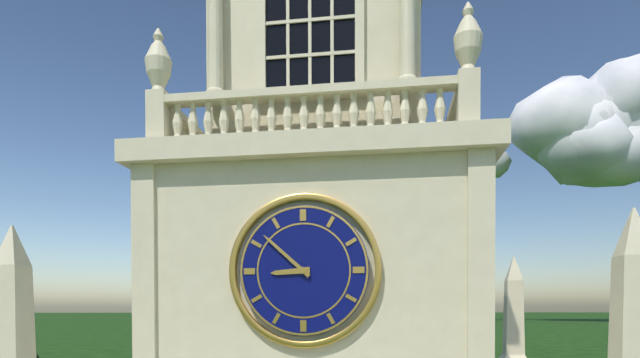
8.52
